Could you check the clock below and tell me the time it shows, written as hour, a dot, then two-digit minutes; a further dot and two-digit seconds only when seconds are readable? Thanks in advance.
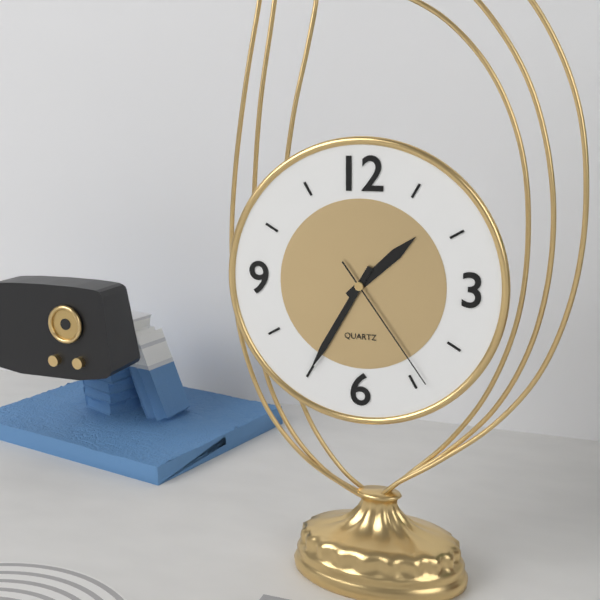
1.35.24
